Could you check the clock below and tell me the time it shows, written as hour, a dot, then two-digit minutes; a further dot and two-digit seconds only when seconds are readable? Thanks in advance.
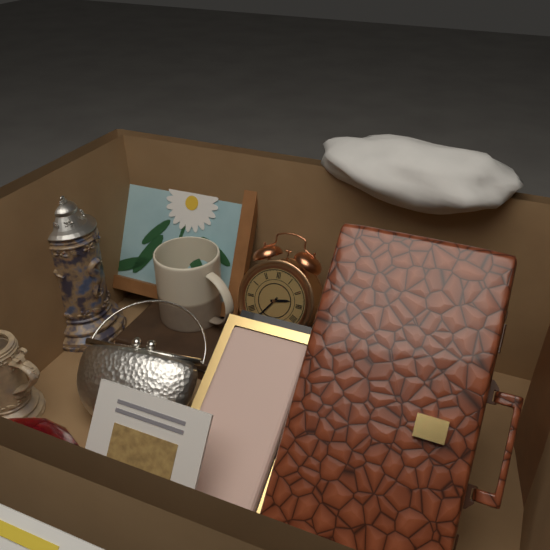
2.36
